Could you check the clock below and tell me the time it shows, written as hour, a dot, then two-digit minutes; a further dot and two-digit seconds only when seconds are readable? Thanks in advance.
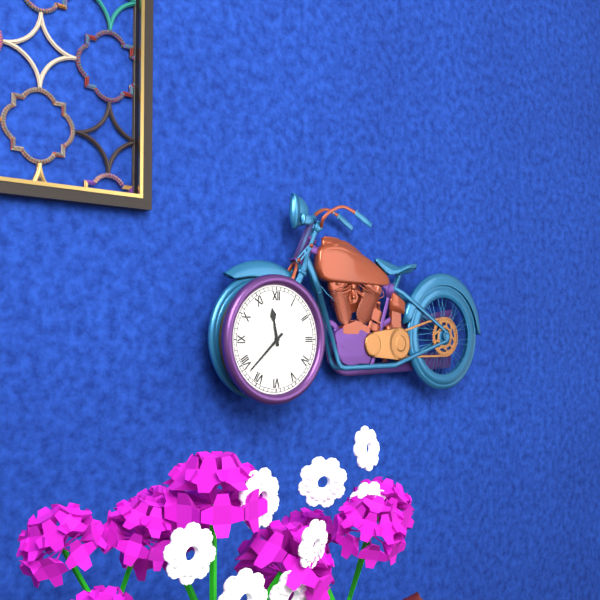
11.38
